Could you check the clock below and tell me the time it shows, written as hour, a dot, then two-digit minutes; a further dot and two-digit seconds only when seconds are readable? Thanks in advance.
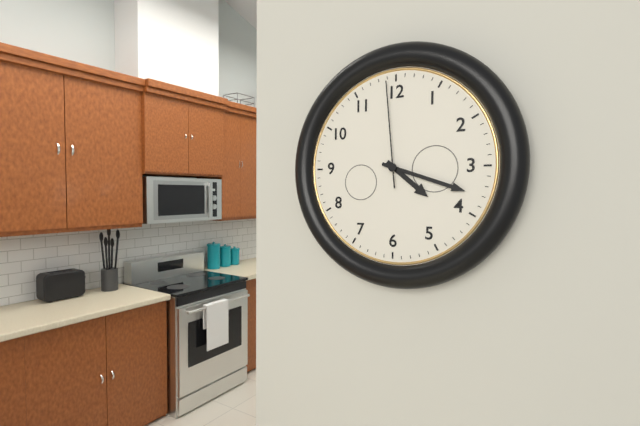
4.18.59
